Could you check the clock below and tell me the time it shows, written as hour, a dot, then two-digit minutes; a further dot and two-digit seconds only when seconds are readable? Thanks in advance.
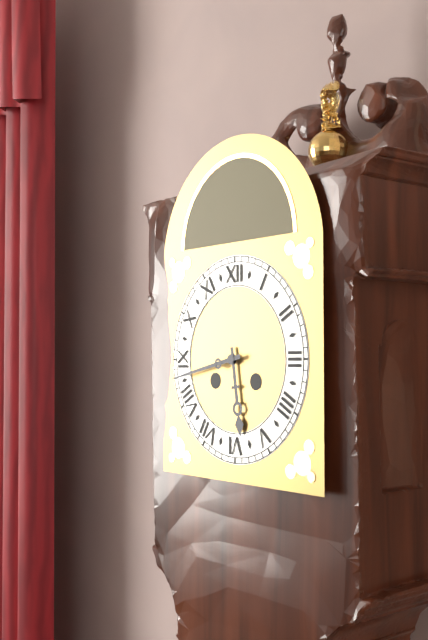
5.43
